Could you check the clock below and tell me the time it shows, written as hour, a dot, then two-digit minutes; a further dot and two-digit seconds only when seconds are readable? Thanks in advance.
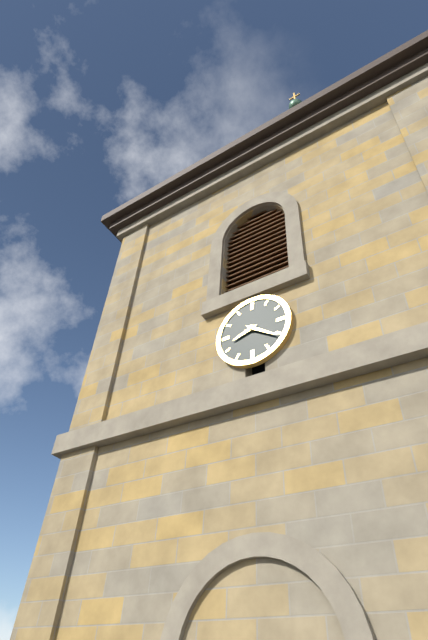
8.21
